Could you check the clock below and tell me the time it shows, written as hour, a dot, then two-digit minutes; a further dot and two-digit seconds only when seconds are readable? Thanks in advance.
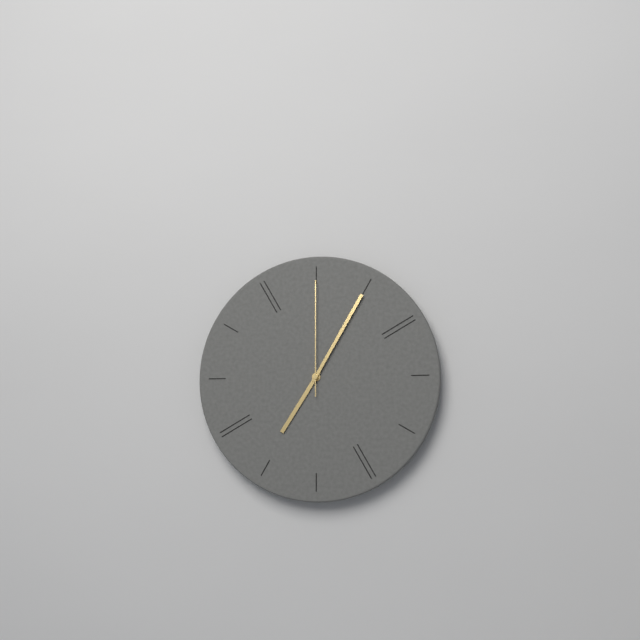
7.05.00
